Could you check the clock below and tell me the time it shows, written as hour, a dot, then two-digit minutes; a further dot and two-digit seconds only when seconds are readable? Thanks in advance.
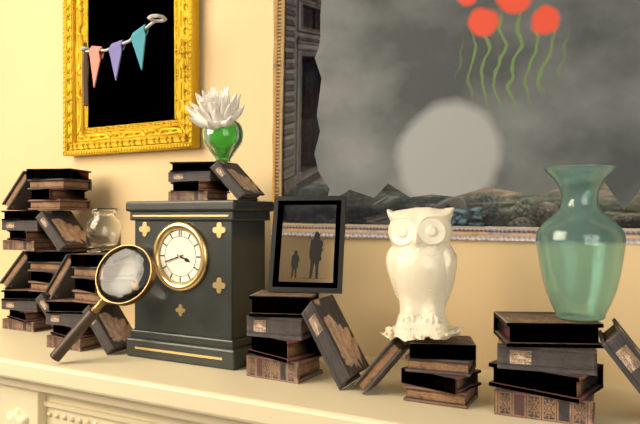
3.42
